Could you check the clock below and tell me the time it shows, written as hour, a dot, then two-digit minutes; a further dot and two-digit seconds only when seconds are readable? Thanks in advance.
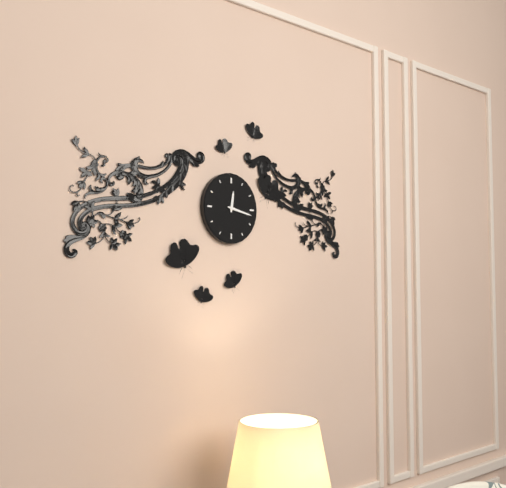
12.17
